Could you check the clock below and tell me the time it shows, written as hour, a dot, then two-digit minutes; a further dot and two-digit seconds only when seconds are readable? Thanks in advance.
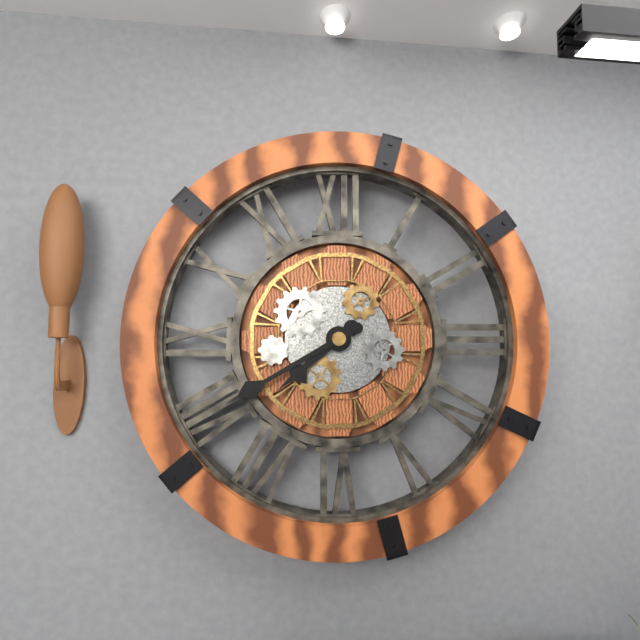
7.40
